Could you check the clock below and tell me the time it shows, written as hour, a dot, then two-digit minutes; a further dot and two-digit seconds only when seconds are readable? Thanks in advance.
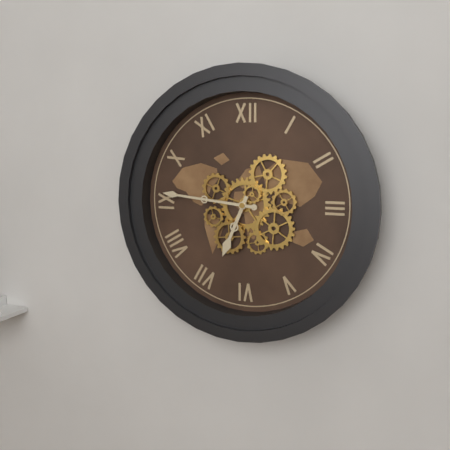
6.46
